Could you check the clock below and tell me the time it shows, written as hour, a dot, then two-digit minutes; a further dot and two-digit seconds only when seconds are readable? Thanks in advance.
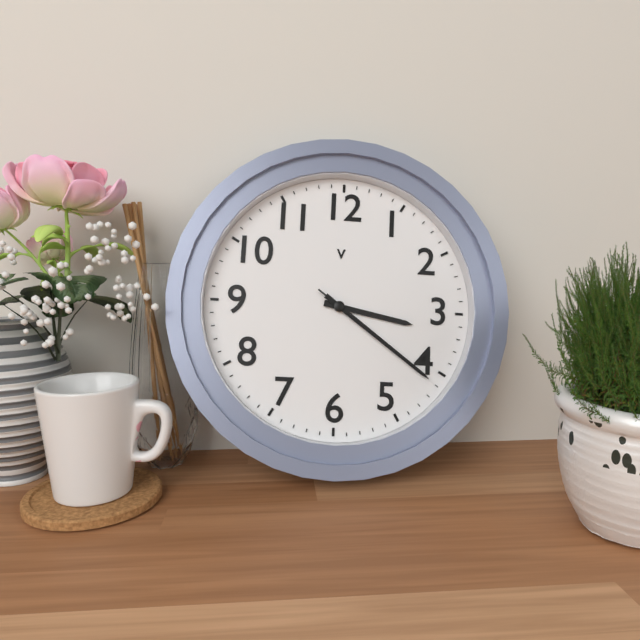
3.21.21
